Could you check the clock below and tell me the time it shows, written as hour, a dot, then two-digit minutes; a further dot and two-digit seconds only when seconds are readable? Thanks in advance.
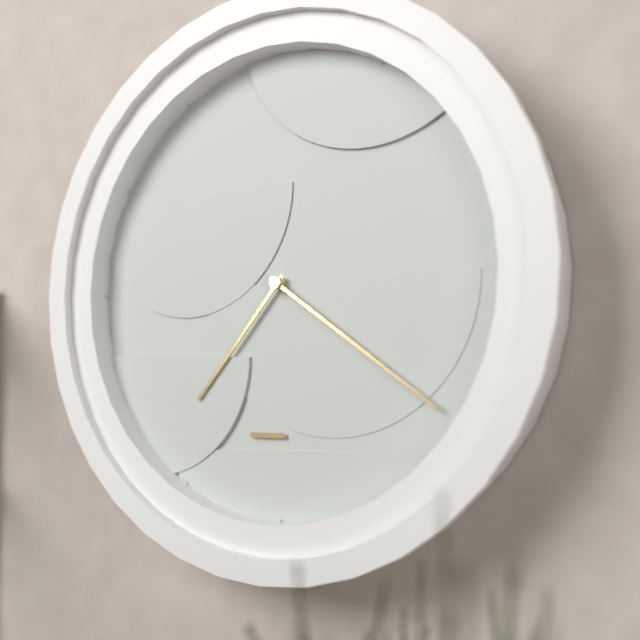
7.21
